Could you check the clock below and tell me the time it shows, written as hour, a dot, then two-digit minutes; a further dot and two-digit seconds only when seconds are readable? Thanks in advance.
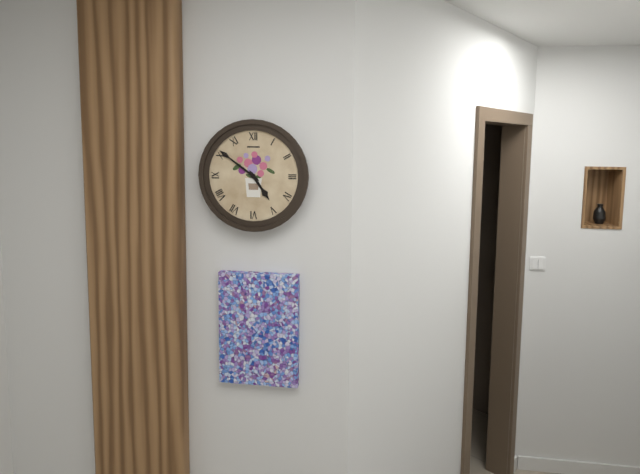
4.51
